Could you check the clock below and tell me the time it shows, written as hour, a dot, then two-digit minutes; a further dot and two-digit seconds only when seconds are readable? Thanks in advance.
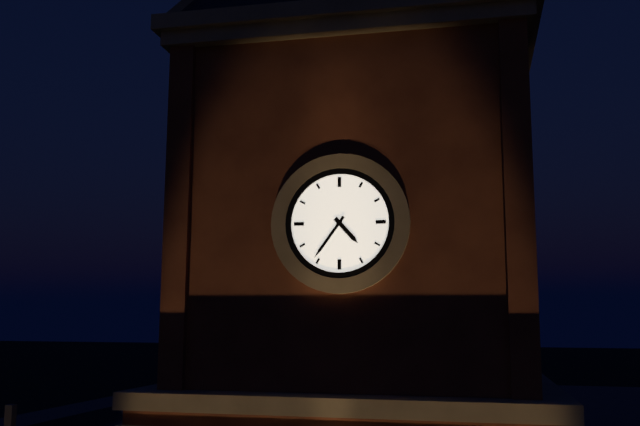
4.36
